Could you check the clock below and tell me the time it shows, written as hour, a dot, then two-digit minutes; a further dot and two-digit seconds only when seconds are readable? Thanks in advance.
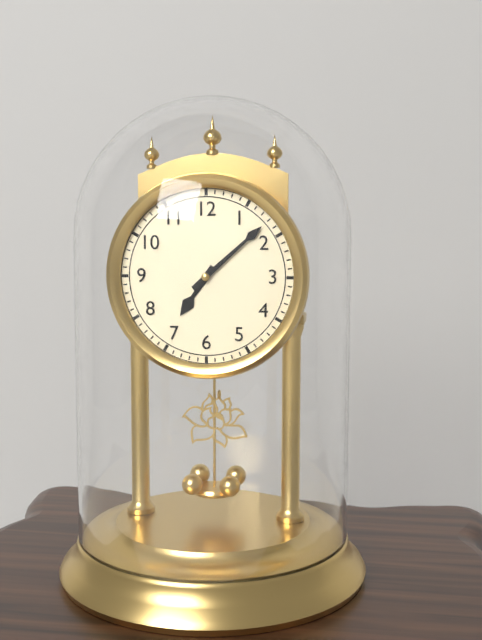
7.08
